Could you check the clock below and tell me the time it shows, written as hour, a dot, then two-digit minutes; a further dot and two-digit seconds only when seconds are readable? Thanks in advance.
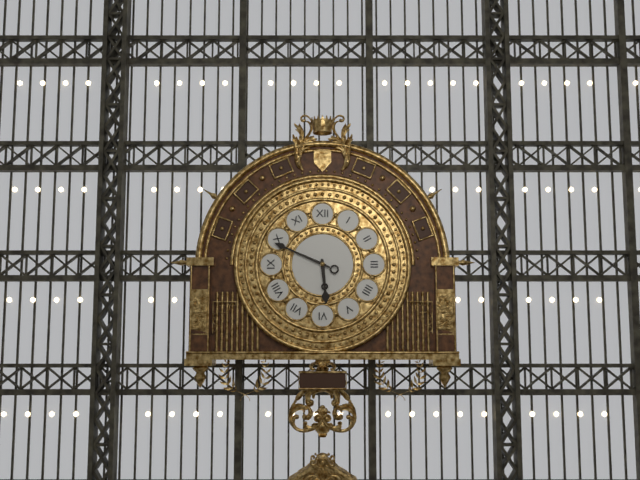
5.49
